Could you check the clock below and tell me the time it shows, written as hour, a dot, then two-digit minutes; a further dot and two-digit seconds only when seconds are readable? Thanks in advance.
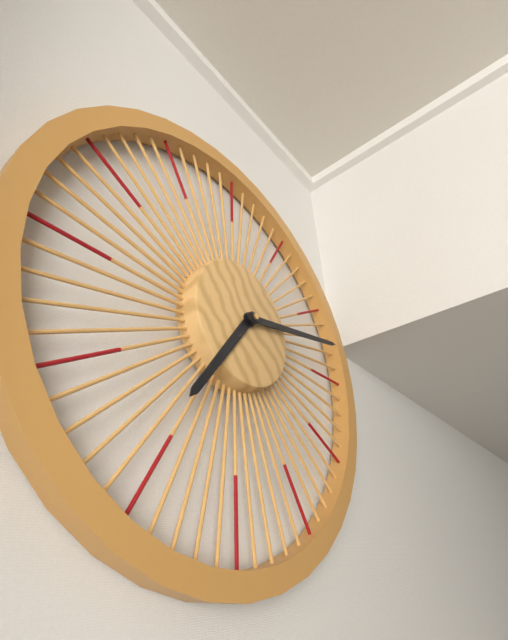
7.13
